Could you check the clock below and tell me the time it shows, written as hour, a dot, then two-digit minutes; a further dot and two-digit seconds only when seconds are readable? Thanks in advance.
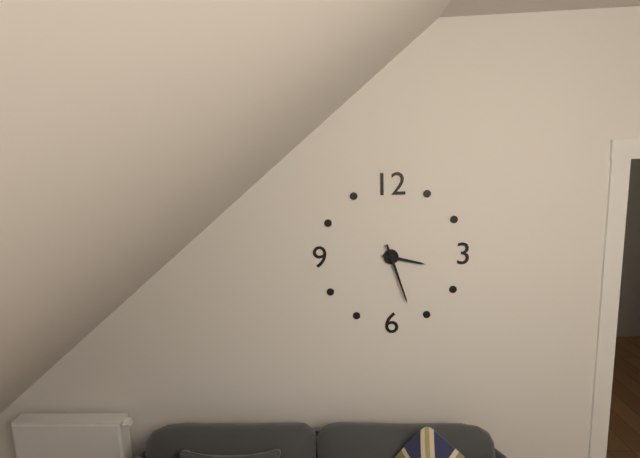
3.27
